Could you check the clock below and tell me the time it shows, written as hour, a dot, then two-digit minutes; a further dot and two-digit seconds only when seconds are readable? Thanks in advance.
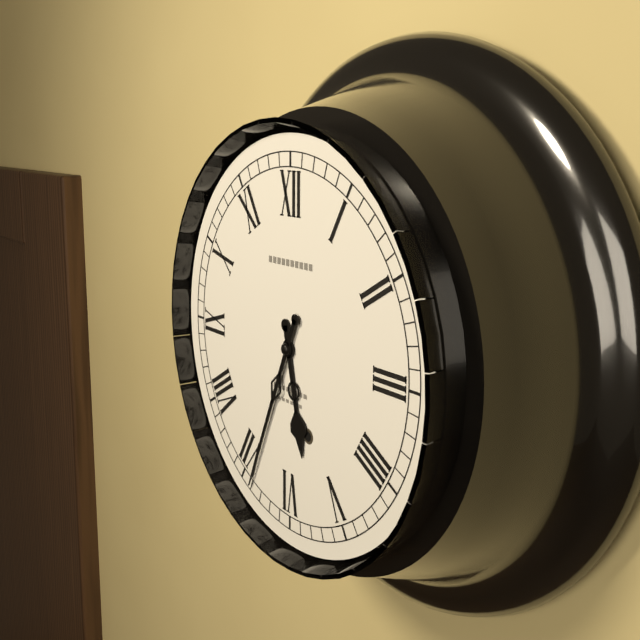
5.34
